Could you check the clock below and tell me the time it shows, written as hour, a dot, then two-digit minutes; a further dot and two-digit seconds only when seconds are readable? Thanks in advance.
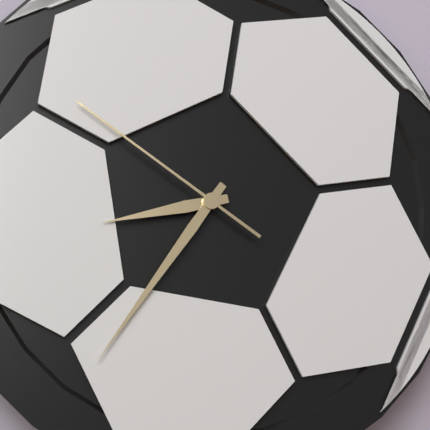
8.36.51
